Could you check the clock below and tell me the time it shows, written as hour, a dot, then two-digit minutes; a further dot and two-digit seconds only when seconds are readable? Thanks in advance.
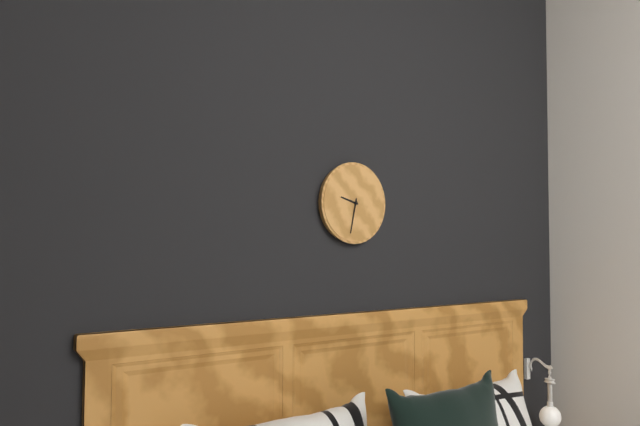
9.32
